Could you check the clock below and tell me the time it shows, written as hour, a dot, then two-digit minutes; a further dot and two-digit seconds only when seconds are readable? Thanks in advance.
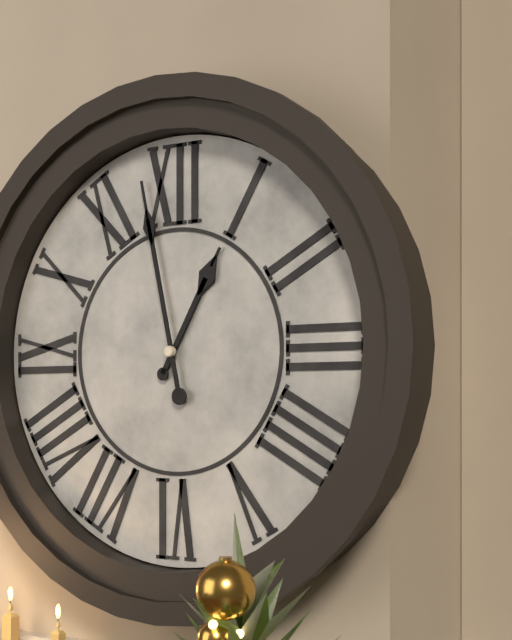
12.58
